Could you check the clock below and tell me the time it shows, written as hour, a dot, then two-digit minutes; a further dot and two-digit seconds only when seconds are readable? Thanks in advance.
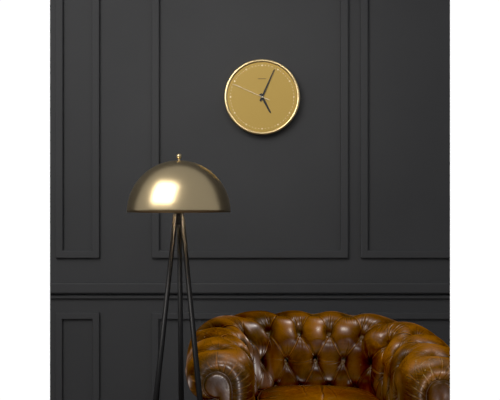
5.04
